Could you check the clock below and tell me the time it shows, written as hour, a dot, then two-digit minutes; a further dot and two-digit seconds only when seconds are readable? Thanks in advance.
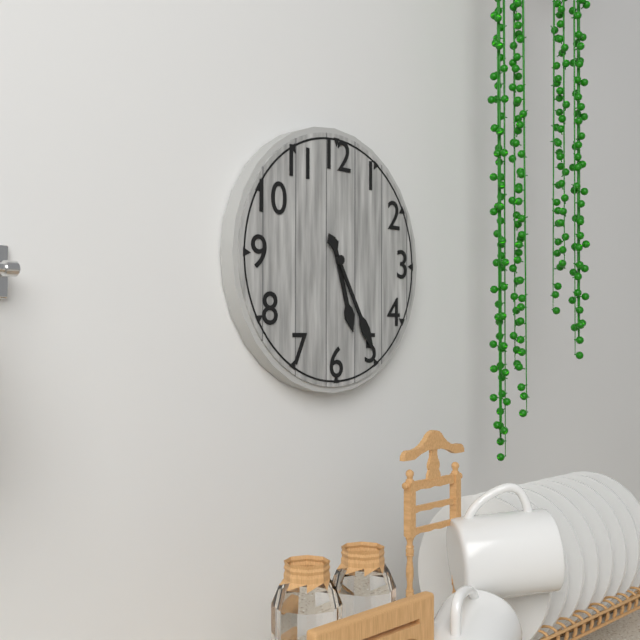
5.25
